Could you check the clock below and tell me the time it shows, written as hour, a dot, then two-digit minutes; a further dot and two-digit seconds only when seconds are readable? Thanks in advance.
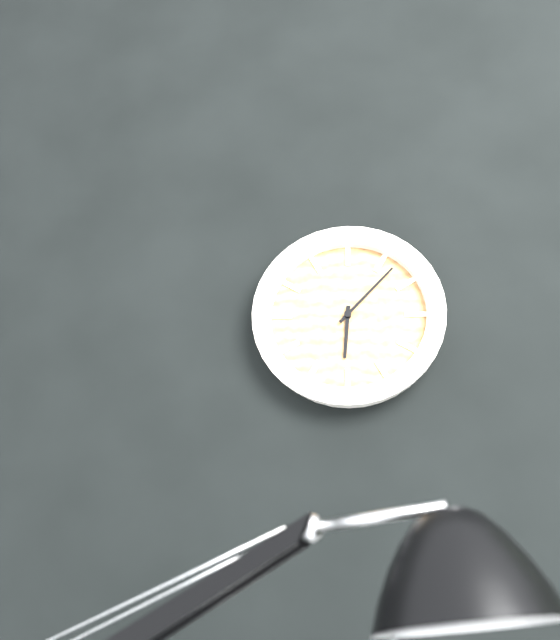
6.07
